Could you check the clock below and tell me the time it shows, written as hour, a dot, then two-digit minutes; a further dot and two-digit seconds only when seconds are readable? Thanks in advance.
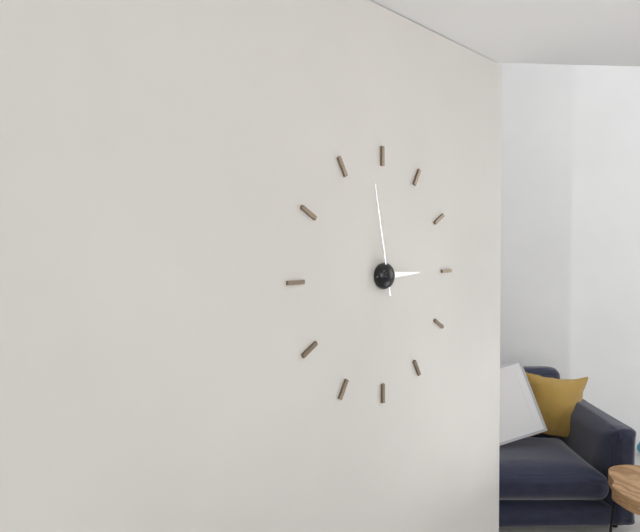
2.58
